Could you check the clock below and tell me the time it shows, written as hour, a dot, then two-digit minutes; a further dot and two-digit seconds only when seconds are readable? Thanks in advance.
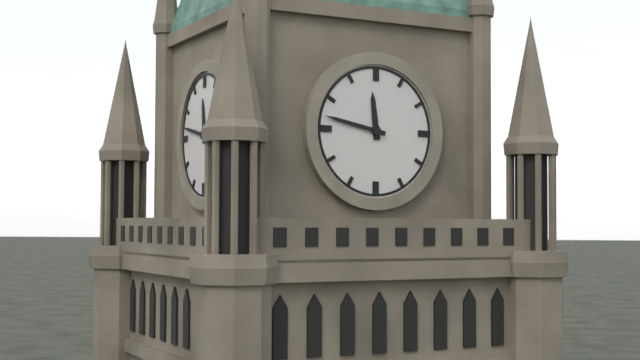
11.47
